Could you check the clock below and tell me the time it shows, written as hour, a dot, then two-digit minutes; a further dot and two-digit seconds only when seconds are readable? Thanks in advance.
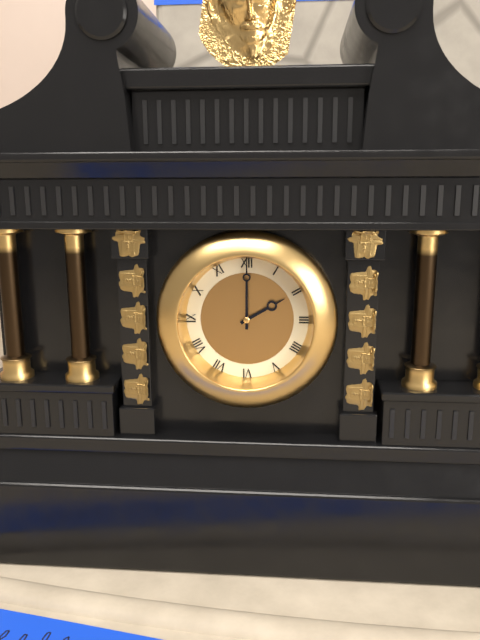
2.00
